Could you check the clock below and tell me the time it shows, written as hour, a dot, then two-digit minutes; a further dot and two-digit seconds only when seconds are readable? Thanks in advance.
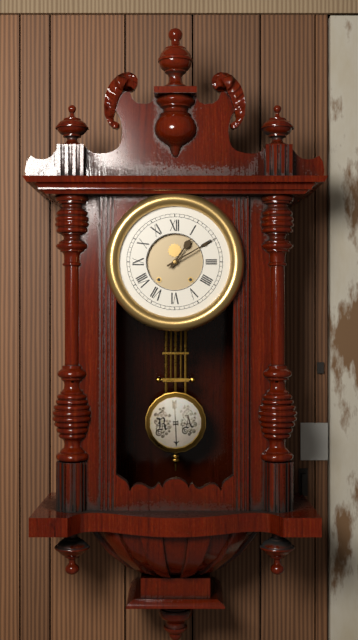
1.10
